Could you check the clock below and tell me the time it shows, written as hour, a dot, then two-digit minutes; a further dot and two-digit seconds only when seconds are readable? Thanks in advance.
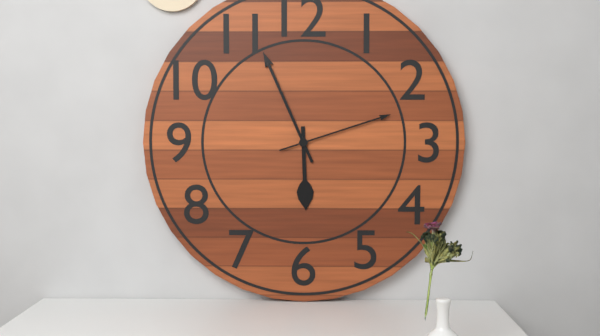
5.56.12
